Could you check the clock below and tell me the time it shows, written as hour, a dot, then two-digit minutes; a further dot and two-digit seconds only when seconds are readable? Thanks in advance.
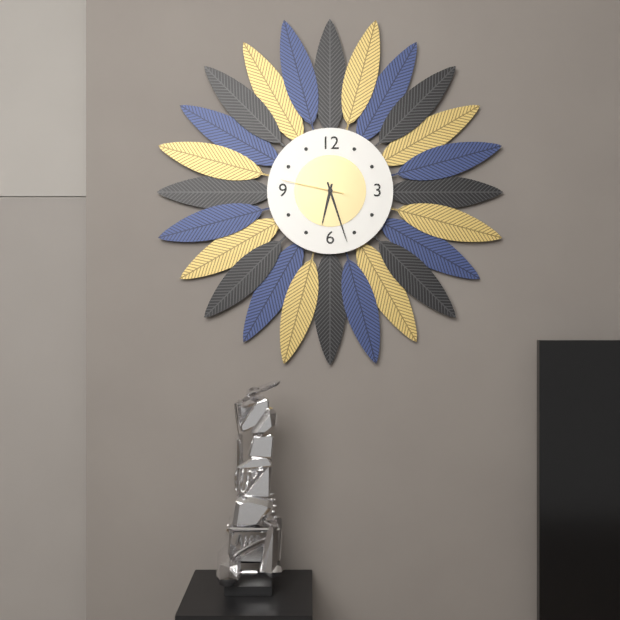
6.27.47
